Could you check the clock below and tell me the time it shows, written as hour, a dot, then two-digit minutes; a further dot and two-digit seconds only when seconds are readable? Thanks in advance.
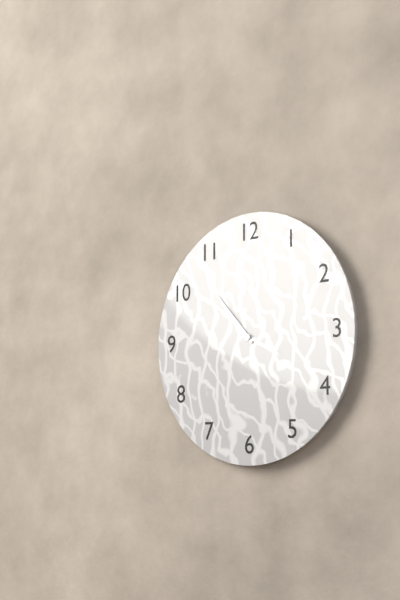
3.53
